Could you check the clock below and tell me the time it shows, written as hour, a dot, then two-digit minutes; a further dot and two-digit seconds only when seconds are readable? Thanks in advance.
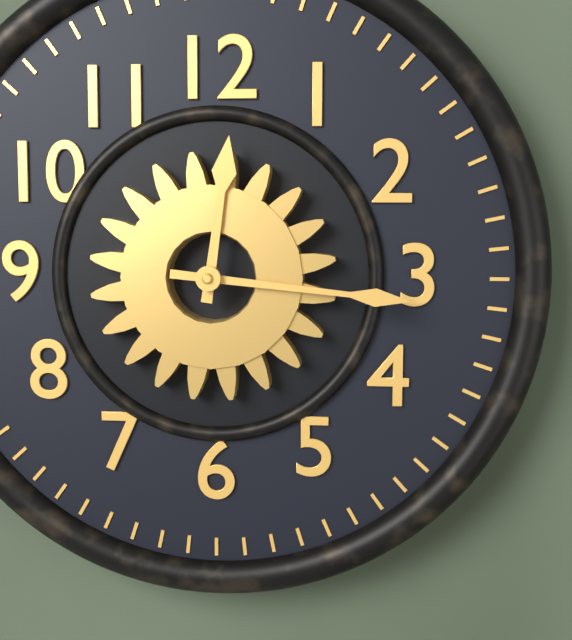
12.16
